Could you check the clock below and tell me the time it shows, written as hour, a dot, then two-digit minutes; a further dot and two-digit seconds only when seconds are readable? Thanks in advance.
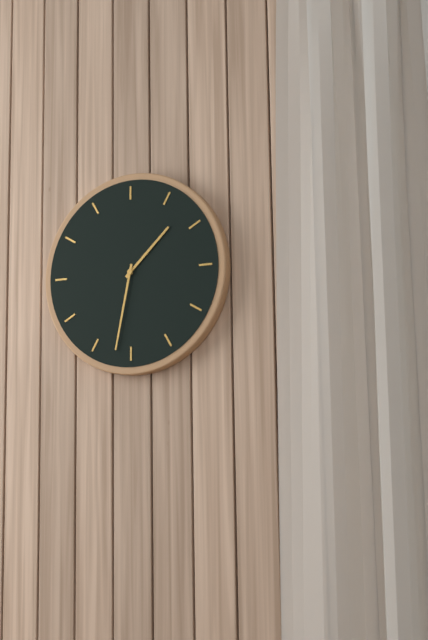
1.32
